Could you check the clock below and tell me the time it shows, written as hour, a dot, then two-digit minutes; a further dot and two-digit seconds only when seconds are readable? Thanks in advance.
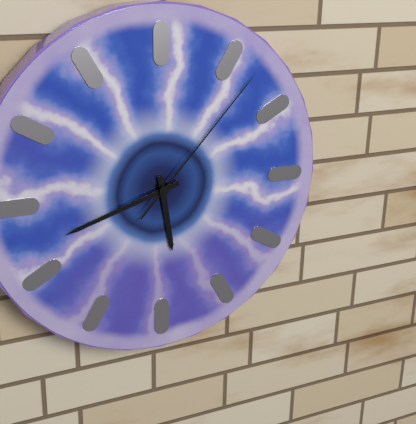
5.42.07
